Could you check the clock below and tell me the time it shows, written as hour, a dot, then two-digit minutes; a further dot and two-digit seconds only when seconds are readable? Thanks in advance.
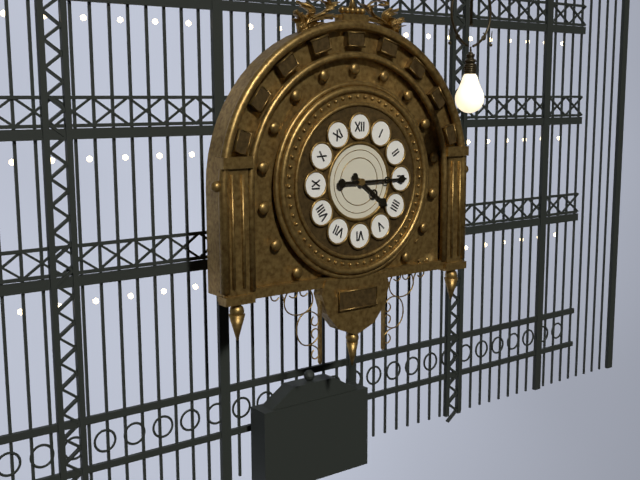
4.15
